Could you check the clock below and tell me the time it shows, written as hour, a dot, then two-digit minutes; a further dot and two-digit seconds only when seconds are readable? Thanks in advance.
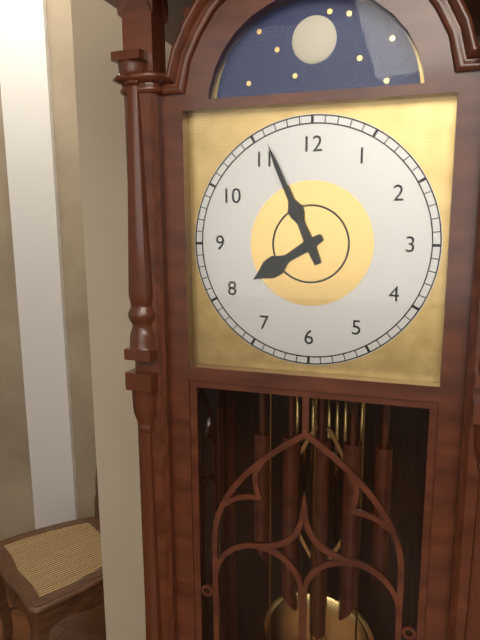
7.56
